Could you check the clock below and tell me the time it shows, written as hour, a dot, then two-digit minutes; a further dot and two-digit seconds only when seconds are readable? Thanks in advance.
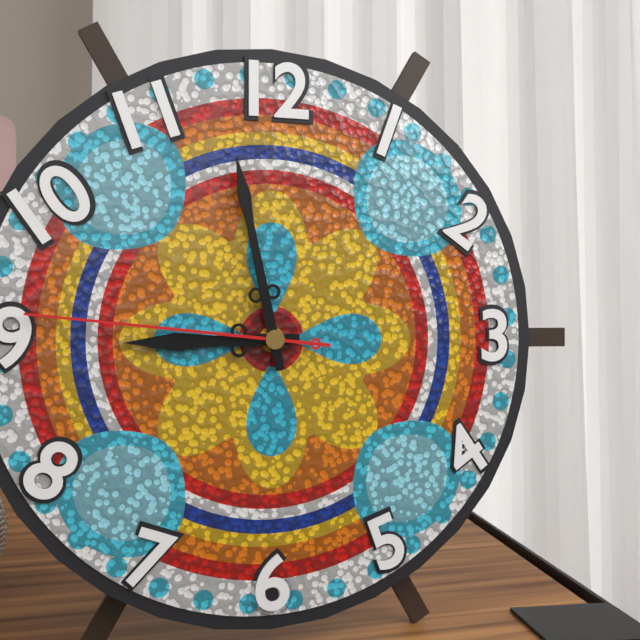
8.58.46
